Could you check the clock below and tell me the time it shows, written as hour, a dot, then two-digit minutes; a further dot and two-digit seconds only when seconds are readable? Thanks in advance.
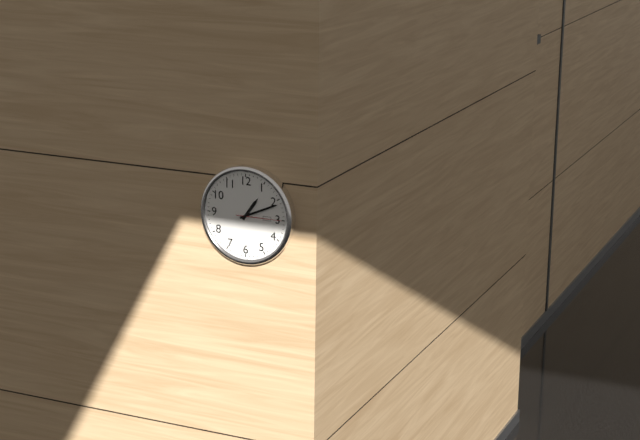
1.11
